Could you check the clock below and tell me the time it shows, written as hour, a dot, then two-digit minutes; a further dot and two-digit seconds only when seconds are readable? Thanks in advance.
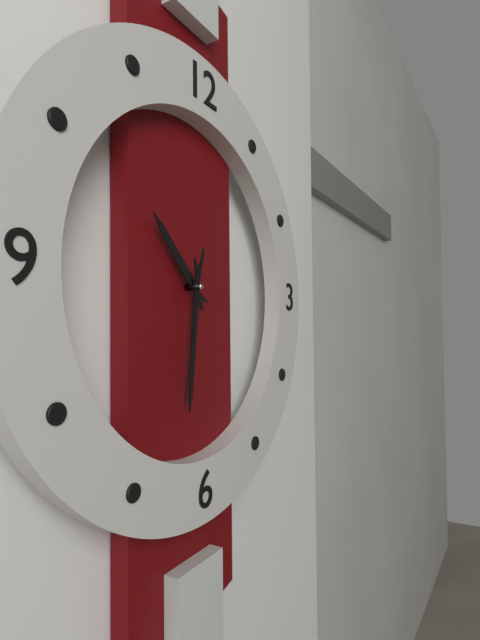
10.31.32
